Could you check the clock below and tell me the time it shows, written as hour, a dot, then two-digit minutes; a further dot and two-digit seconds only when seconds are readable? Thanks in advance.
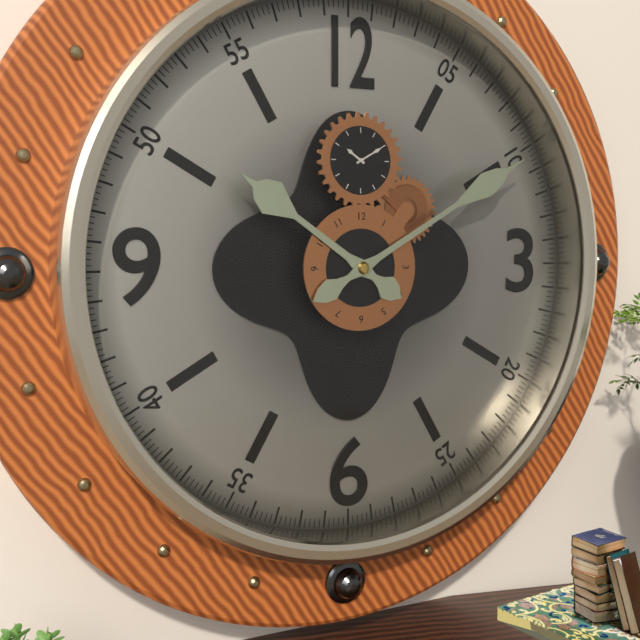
10.10
